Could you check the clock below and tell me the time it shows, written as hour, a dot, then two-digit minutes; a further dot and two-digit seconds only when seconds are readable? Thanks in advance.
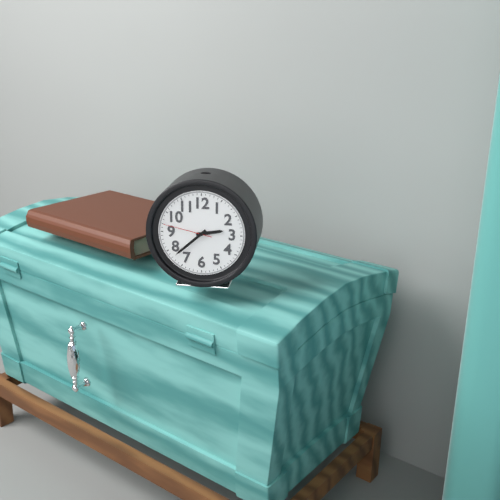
2.38
